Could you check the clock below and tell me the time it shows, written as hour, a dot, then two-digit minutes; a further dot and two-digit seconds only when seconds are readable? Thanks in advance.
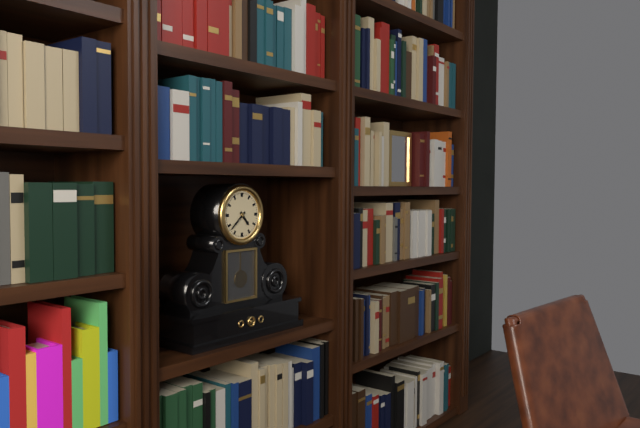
4.38
